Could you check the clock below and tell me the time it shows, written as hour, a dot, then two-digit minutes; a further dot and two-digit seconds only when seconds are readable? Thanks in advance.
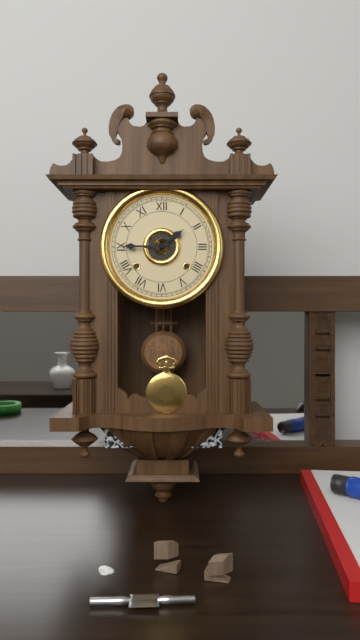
1.45
